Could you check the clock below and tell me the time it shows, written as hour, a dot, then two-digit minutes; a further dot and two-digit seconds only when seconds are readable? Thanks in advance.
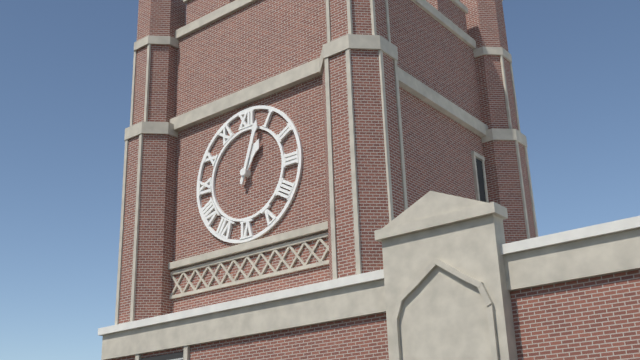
1.03
